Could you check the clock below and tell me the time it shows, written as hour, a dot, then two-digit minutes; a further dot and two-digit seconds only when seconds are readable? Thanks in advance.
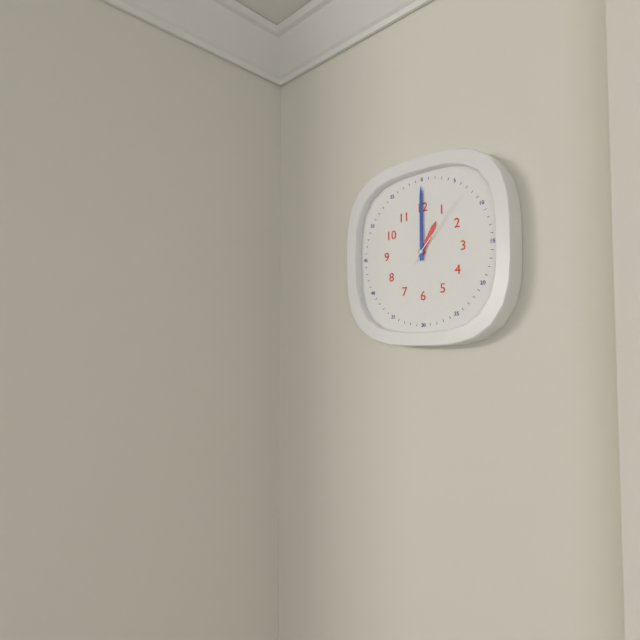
1.00.07
